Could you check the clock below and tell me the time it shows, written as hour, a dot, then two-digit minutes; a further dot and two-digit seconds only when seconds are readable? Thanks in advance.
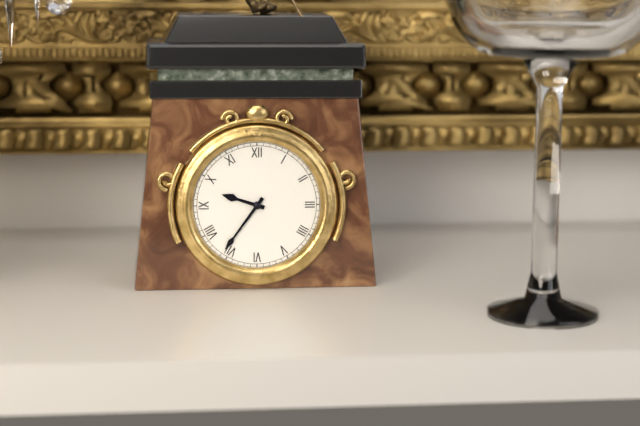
9.36
